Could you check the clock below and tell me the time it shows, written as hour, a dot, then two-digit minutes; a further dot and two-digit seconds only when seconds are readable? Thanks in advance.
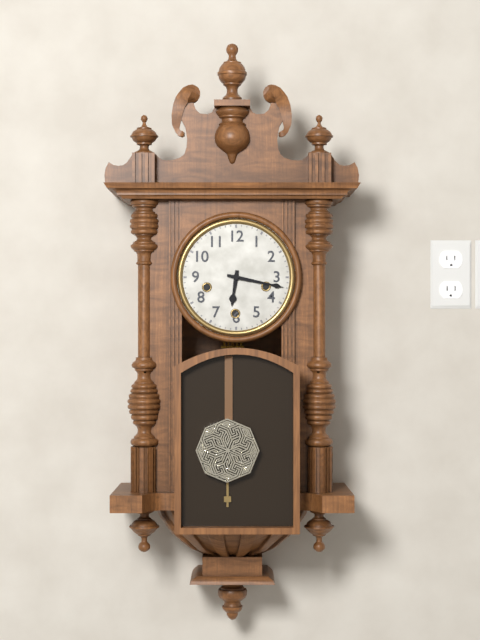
6.17
